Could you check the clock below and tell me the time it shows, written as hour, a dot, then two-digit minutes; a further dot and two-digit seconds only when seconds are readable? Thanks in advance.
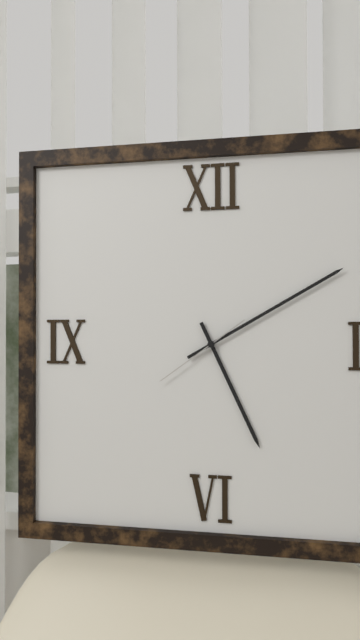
5.10.39
